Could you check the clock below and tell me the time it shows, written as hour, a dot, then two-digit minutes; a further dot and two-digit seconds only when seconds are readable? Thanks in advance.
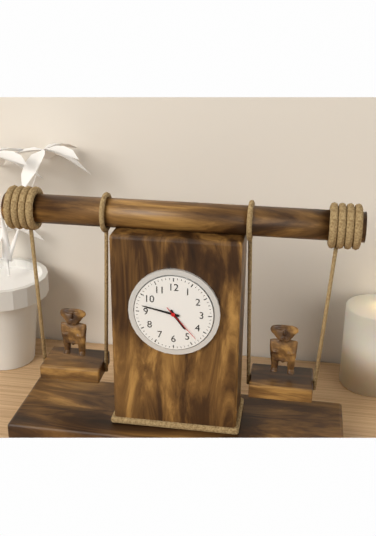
4.47
